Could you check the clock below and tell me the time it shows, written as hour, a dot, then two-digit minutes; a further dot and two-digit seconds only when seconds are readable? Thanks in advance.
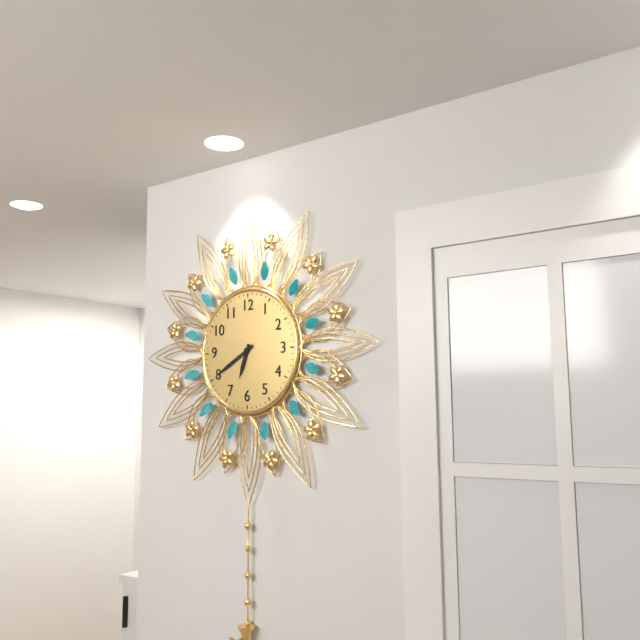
6.40
